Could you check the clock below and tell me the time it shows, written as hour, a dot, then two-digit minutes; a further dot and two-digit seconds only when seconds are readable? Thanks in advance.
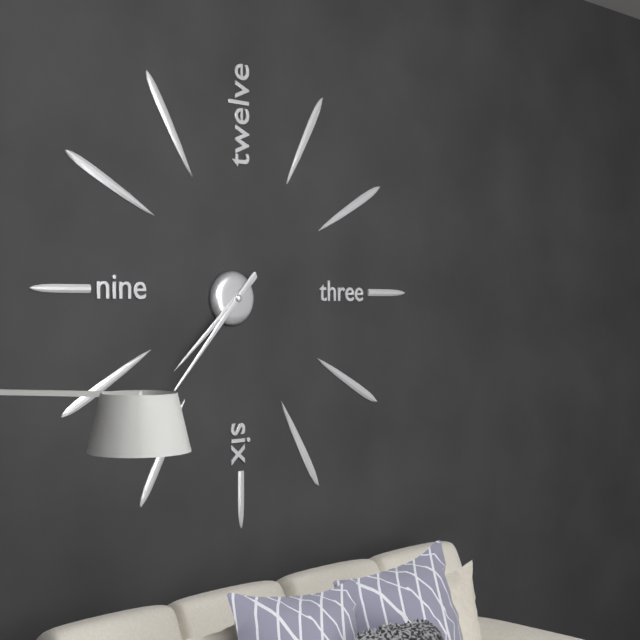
7.37
